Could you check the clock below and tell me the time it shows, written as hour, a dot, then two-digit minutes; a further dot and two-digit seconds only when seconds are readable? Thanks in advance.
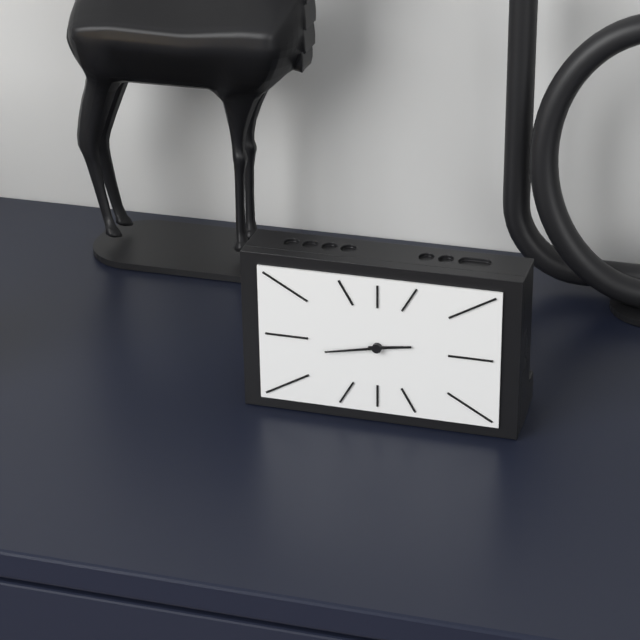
2.43
